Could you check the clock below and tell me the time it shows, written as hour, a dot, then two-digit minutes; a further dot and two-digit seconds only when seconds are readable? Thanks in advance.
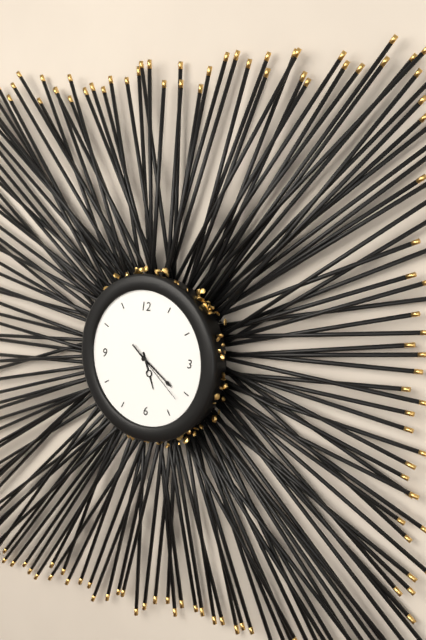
5.21.22
